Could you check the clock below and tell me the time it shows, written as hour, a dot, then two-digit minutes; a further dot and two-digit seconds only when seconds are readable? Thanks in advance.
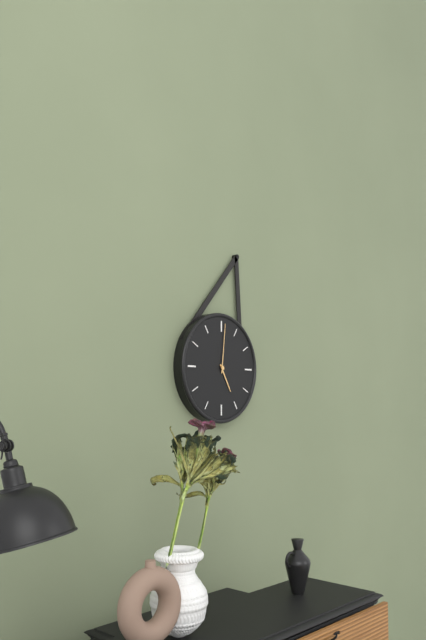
5.01
